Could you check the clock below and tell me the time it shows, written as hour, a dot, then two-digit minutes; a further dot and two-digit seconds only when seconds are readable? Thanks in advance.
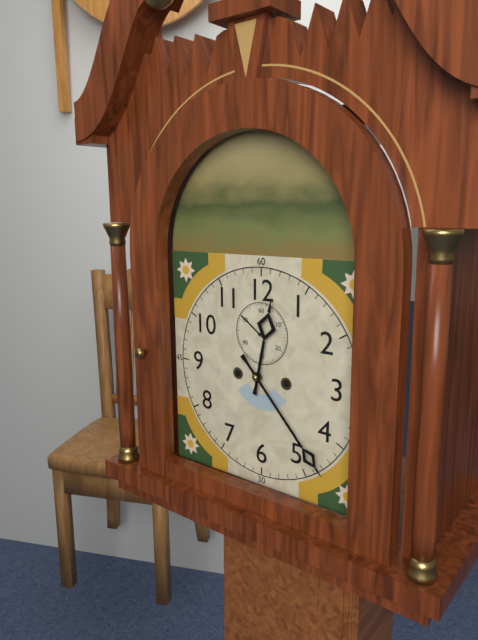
12.23
